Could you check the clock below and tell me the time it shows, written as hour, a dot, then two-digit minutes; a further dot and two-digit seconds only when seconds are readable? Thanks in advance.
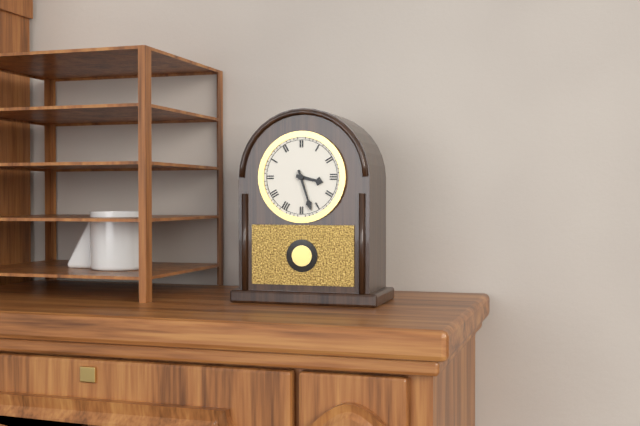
3.27
